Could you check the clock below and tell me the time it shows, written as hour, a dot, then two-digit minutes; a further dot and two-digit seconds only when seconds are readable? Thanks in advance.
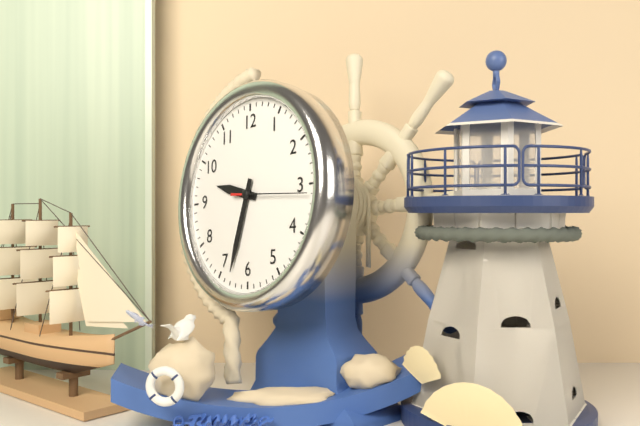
9.33.16
